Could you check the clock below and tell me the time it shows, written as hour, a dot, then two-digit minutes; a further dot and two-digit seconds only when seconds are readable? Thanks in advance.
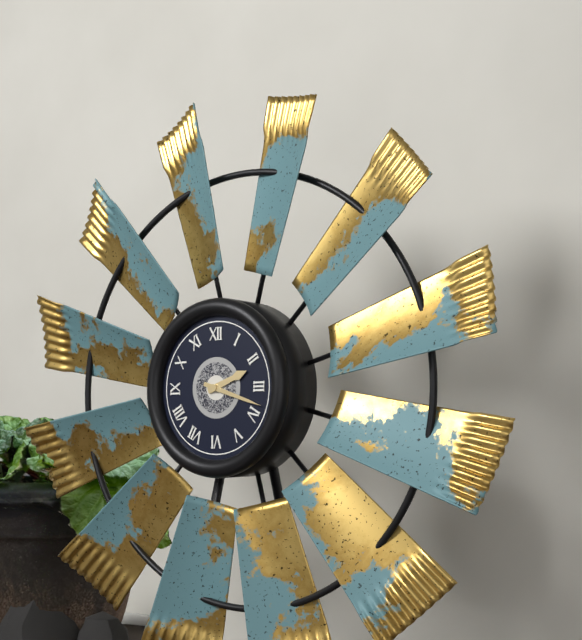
2.18
